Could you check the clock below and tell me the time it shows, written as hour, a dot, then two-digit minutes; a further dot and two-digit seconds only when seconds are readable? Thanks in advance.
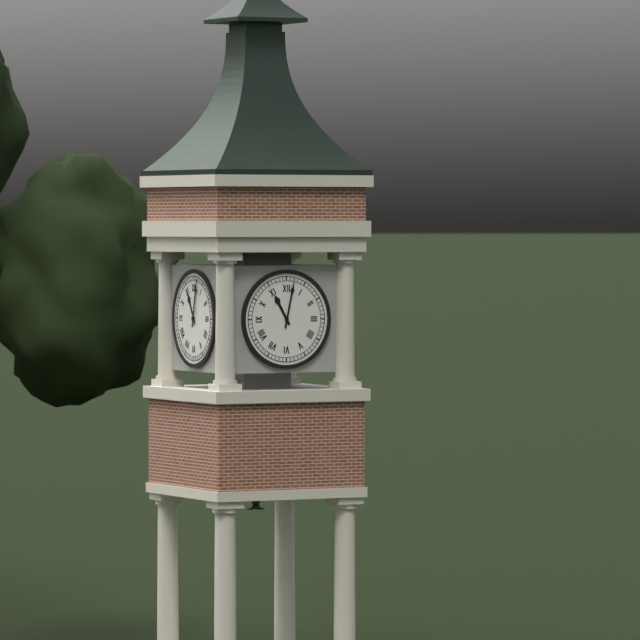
11.02
